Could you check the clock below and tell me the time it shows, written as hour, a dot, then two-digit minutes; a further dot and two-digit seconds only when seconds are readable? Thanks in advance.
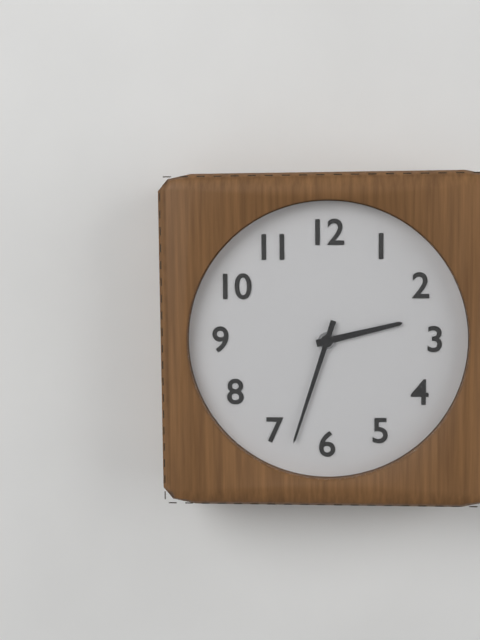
2.33
